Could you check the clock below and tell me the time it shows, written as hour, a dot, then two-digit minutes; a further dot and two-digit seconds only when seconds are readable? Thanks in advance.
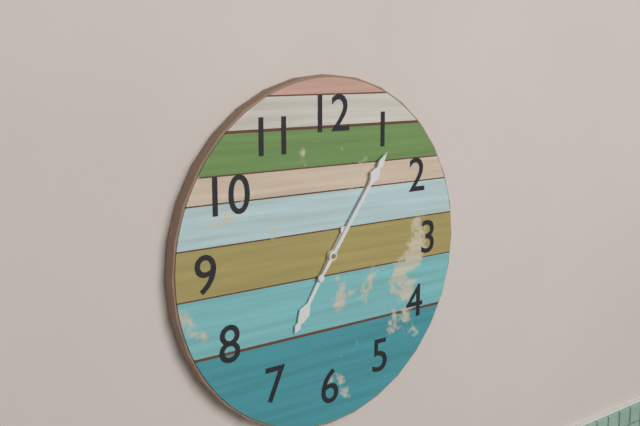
7.06
